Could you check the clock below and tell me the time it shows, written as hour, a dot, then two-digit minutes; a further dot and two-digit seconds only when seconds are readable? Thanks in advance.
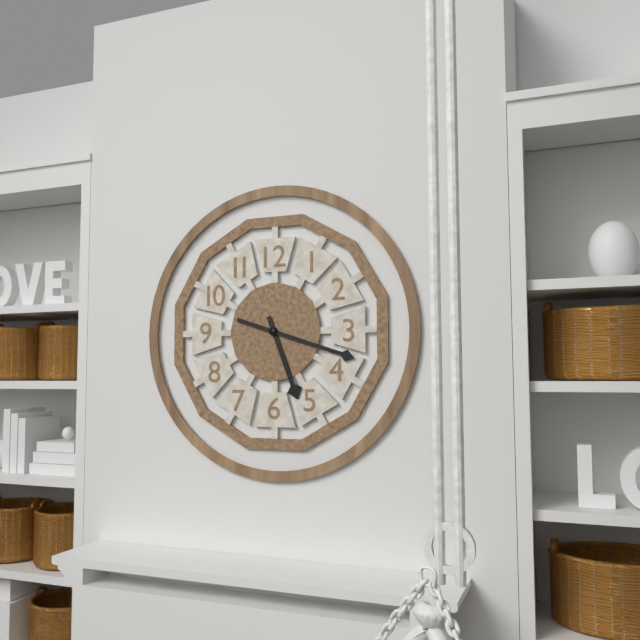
5.18
